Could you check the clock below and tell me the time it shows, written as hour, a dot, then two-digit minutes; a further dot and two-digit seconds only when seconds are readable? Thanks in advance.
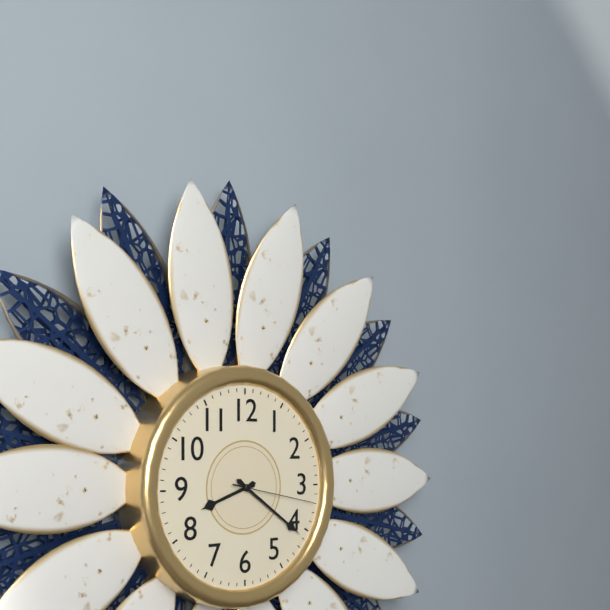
8.21.17
